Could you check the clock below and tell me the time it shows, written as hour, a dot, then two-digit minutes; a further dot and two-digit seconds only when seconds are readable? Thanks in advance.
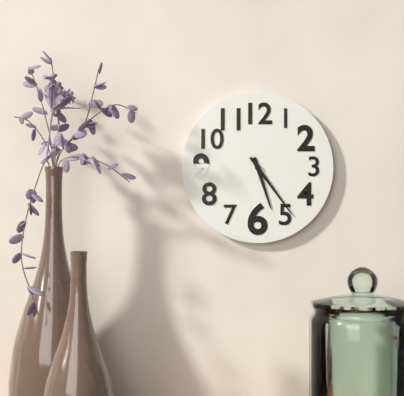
5.24
